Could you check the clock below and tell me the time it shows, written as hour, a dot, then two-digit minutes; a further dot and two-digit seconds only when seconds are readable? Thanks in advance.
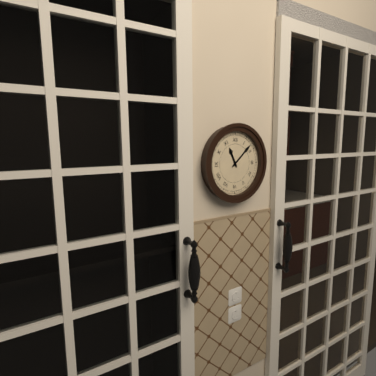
11.08
